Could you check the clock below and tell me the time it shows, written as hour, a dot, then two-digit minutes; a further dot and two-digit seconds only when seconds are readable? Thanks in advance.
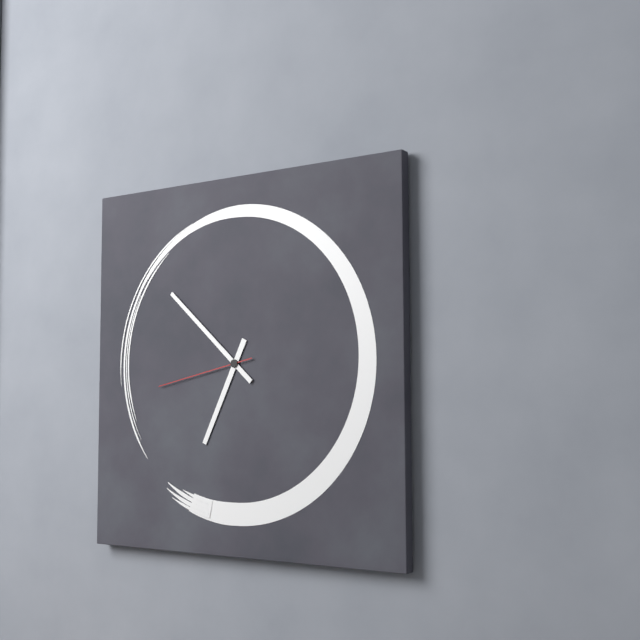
6.52.43
